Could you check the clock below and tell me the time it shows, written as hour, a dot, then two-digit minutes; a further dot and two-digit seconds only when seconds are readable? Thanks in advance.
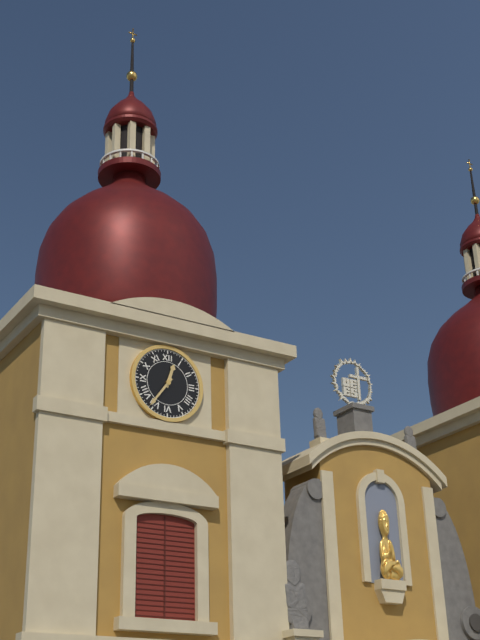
12.36
